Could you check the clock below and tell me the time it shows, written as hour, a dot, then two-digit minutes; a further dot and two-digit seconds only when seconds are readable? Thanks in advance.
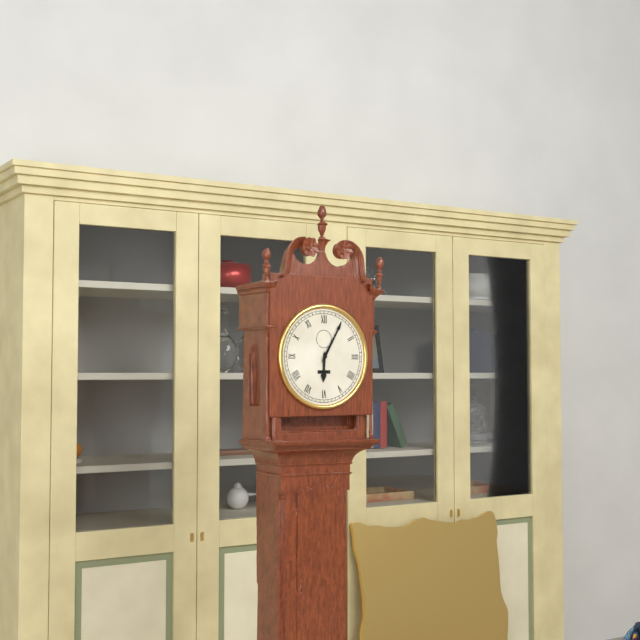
6.05
